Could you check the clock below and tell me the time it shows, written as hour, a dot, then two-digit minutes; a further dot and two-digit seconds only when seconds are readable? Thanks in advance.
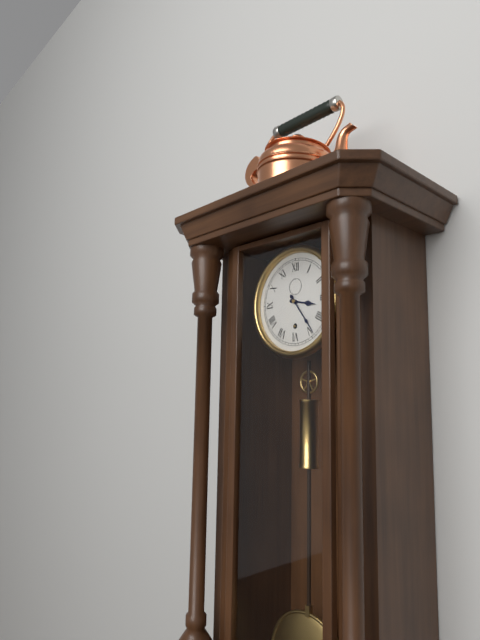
3.24
